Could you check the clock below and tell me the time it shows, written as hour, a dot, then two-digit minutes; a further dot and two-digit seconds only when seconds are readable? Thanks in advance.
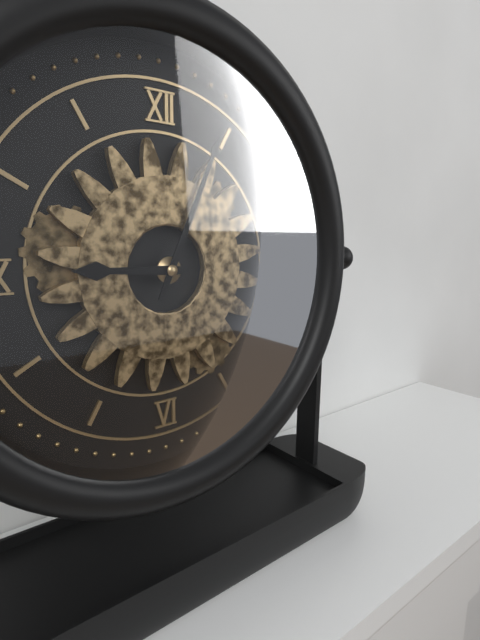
9.04
